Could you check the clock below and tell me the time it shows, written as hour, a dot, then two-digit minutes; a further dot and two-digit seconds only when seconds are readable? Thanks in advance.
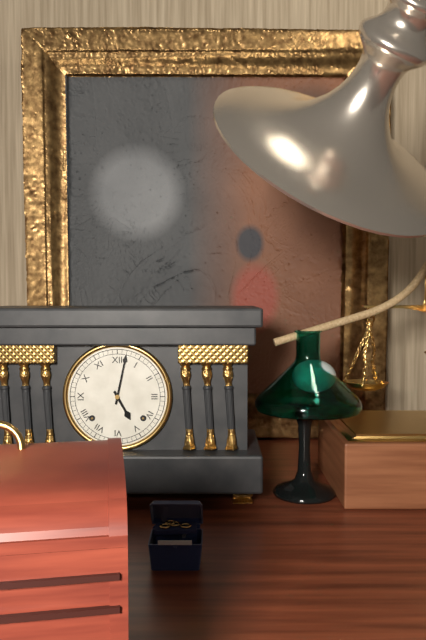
5.02
